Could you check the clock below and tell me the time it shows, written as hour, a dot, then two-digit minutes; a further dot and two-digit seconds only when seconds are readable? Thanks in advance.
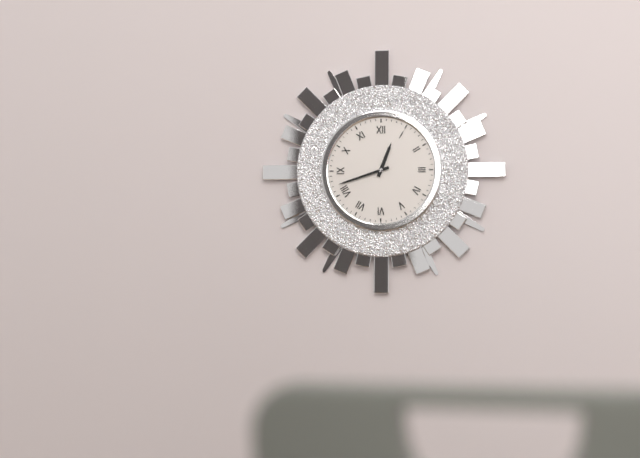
12.42
